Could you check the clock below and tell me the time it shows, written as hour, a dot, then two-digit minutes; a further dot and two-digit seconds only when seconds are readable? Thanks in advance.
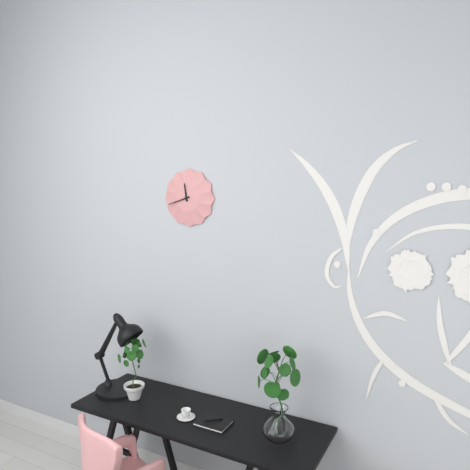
11.42
